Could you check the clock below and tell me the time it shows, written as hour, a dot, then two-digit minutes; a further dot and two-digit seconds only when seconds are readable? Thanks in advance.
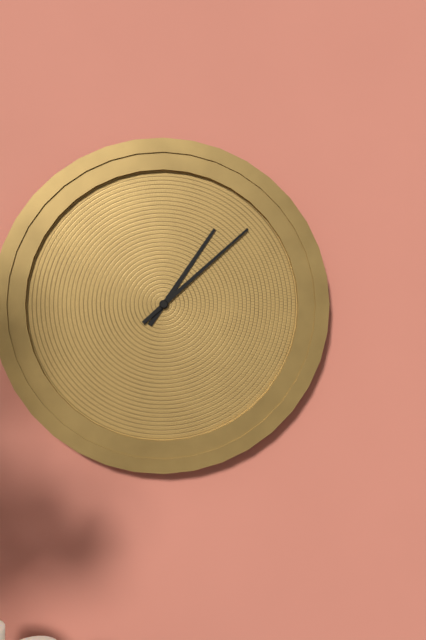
1.08
